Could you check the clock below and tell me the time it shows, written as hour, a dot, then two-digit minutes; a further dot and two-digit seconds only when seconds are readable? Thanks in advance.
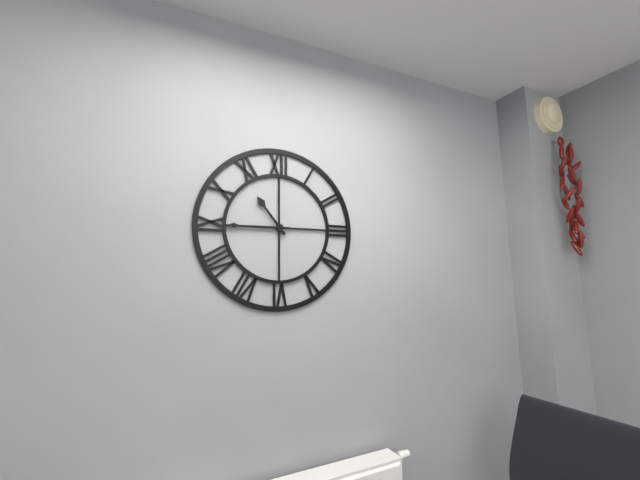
10.45
